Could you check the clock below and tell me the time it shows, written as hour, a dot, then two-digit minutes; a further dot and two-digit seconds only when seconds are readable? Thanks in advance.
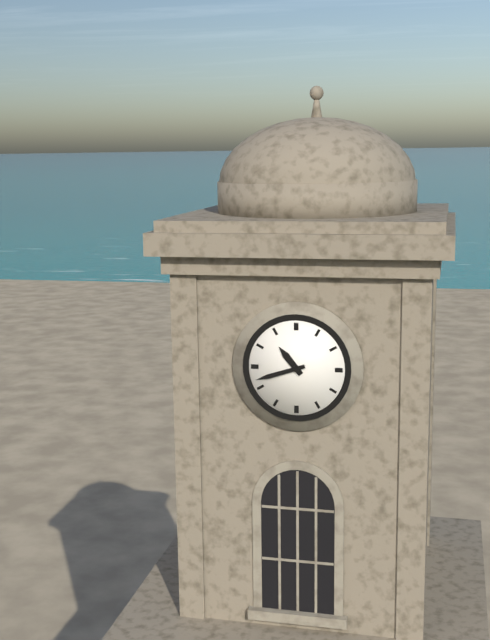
10.42
